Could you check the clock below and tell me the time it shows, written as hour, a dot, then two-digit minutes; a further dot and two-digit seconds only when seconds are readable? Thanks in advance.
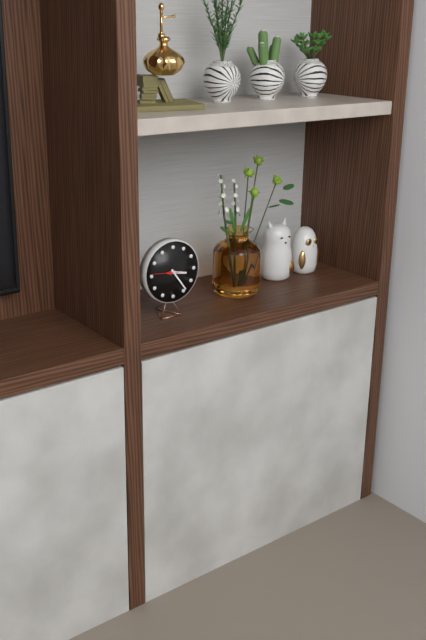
3.24
